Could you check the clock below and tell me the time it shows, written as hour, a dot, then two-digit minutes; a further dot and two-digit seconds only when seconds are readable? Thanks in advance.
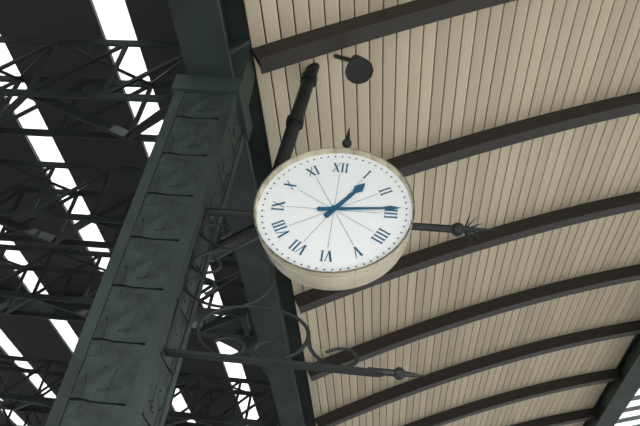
1.14
